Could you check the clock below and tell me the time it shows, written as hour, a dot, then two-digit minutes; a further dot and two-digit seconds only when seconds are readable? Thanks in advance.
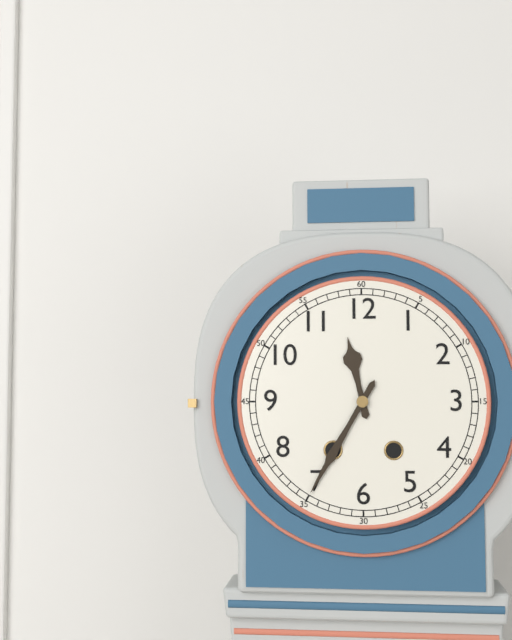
11.35
